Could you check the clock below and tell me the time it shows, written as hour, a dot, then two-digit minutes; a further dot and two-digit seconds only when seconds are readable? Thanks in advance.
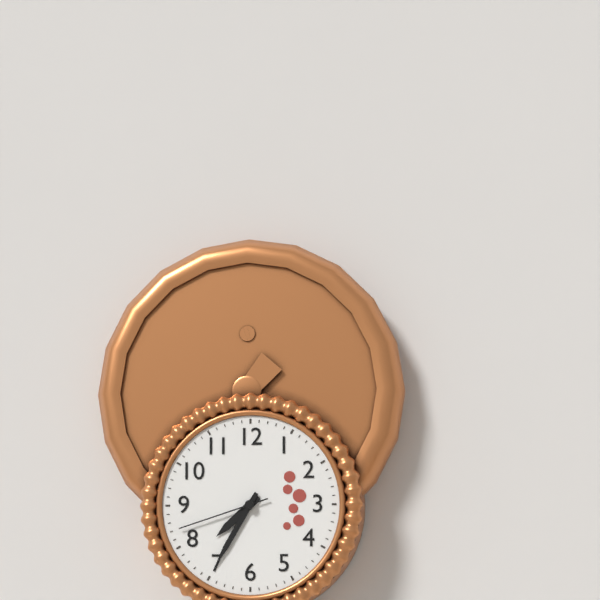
7.35.42
